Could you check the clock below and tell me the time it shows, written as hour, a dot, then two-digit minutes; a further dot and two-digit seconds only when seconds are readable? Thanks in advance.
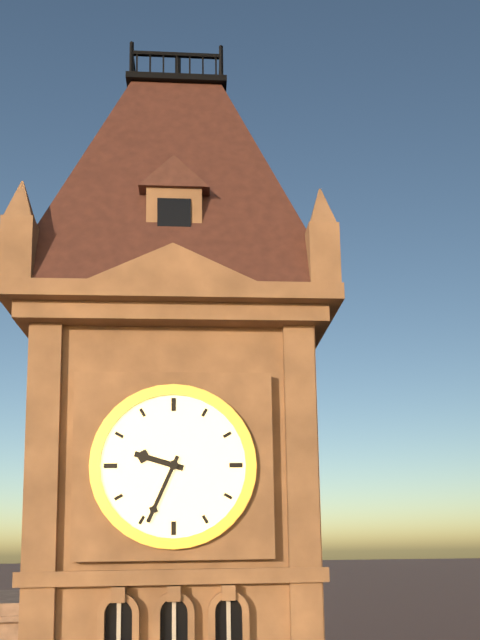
9.34
